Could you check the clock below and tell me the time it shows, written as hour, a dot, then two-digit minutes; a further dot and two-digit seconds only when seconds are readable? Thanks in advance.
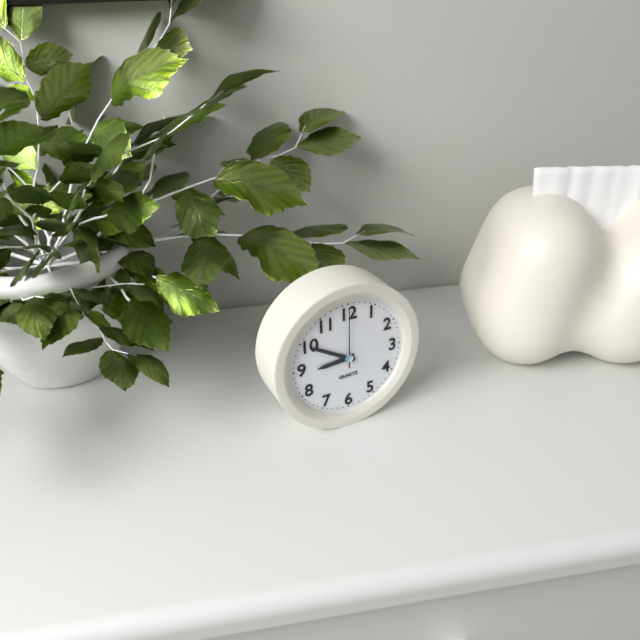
8.50.00
